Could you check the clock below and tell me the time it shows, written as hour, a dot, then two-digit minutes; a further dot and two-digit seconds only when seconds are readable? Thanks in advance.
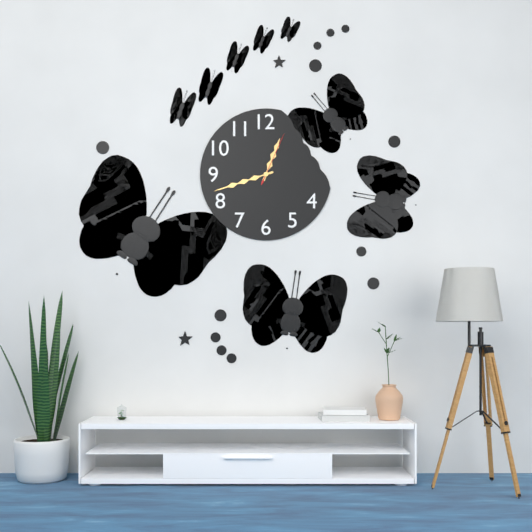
12.42.04
